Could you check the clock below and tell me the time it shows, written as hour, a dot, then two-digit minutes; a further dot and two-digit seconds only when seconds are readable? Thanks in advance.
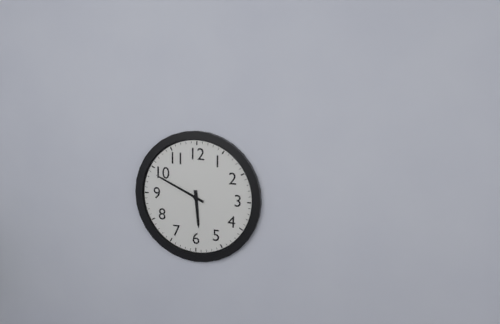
5.49
